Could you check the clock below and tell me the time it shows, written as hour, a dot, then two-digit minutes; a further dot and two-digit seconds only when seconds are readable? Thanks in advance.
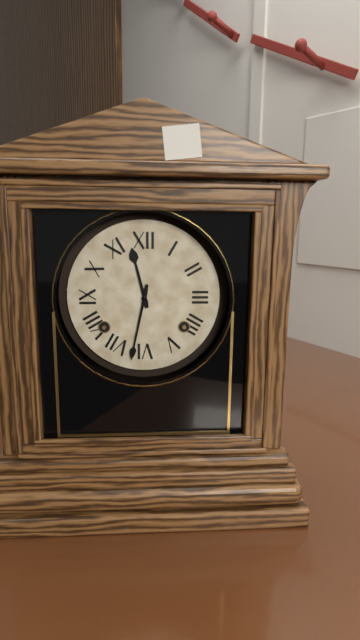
11.32
